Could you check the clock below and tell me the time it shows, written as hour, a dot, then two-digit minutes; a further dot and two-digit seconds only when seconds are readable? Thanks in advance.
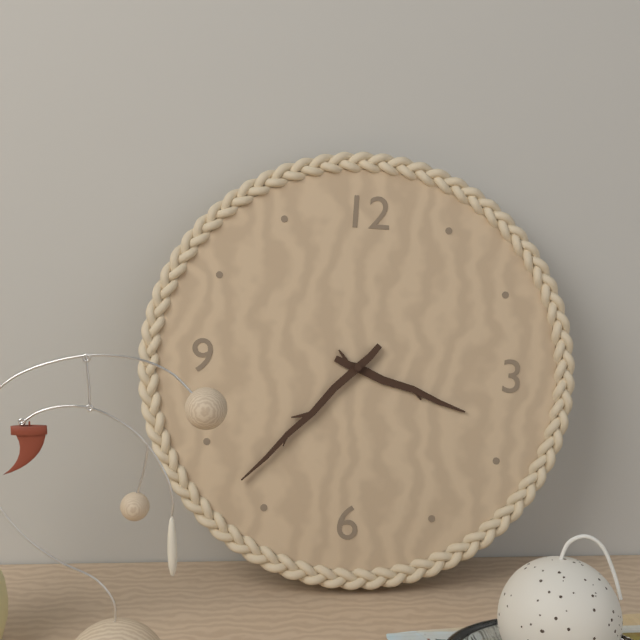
3.37
